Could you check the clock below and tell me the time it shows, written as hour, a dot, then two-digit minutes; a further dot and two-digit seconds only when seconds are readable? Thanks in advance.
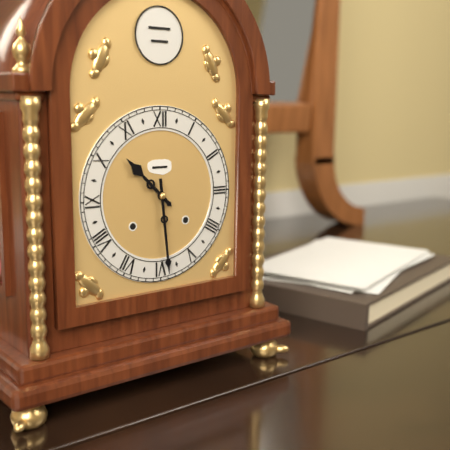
10.29
